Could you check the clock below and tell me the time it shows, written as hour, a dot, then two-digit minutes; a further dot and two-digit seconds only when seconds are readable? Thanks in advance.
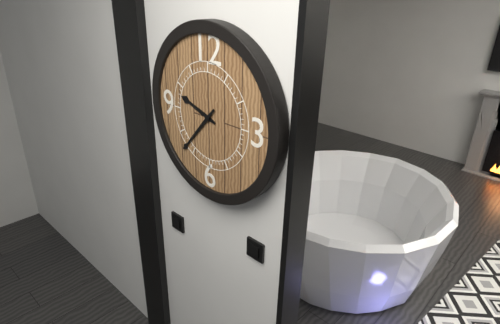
9.37
